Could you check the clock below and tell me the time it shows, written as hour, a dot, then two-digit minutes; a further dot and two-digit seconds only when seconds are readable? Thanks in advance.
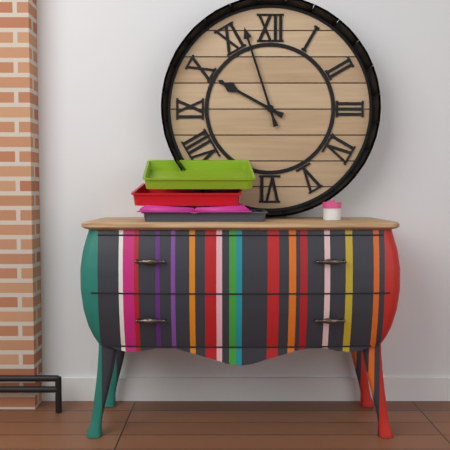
9.57
